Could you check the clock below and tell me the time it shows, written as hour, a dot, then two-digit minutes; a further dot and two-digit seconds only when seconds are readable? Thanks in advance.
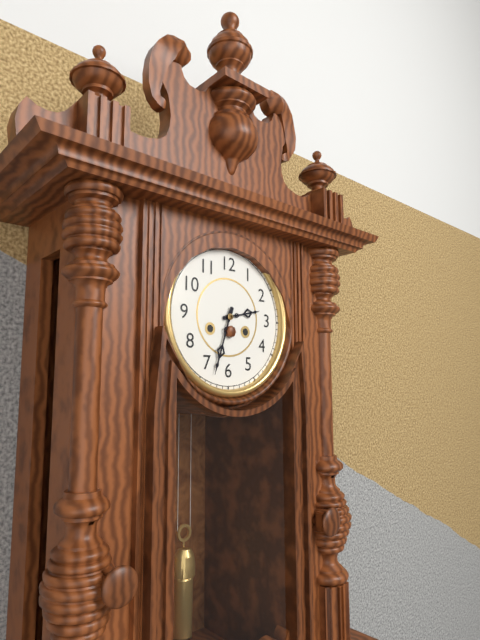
2.33
